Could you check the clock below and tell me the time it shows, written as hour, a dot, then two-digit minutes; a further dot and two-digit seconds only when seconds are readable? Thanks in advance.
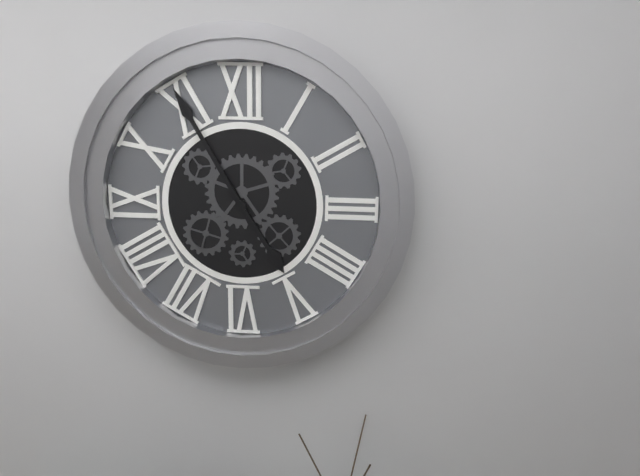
4.55
